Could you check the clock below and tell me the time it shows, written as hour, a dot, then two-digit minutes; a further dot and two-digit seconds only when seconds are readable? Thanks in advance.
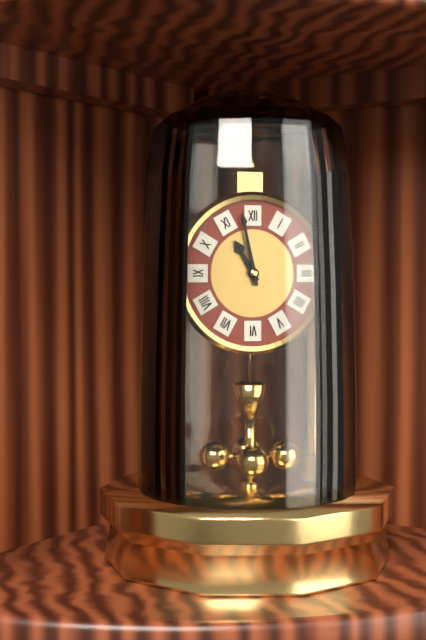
10.58
